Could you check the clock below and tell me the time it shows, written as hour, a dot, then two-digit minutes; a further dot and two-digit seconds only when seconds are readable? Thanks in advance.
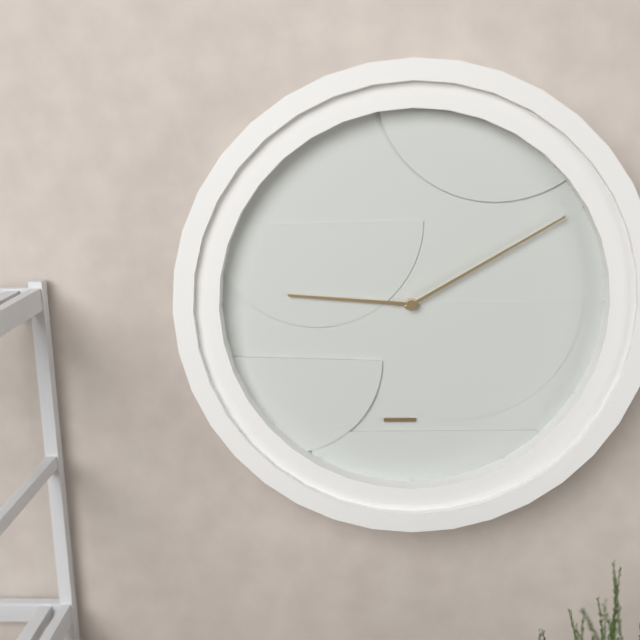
9.10
